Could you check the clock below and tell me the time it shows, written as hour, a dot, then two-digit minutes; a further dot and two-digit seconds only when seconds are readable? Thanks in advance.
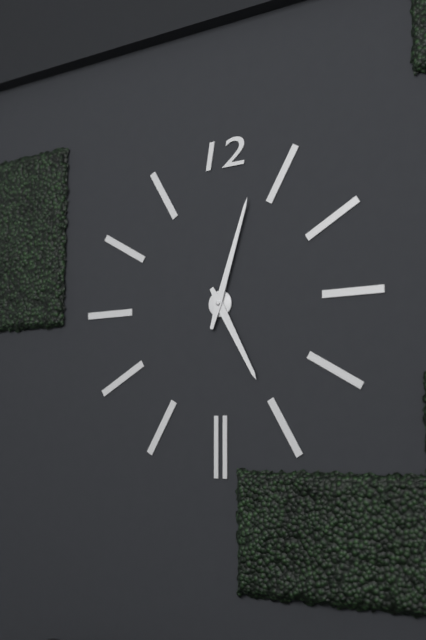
5.03
